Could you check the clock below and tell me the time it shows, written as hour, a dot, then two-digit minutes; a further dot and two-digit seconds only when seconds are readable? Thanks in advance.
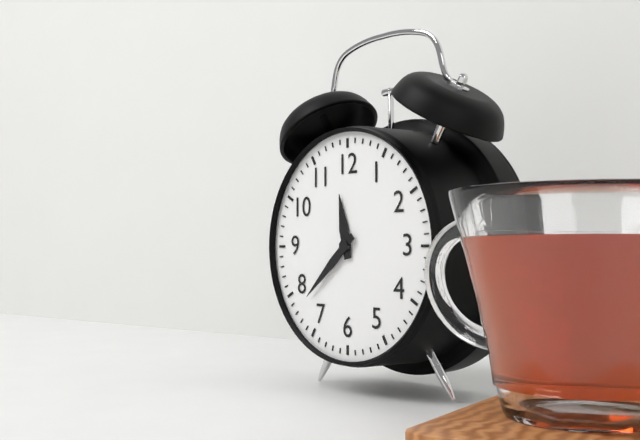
11.38
